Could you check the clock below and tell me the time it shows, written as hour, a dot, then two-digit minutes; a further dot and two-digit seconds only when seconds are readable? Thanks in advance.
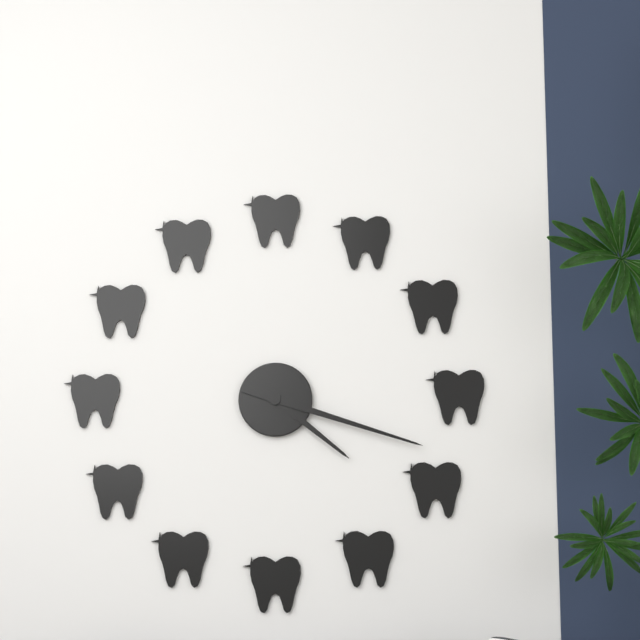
4.18
